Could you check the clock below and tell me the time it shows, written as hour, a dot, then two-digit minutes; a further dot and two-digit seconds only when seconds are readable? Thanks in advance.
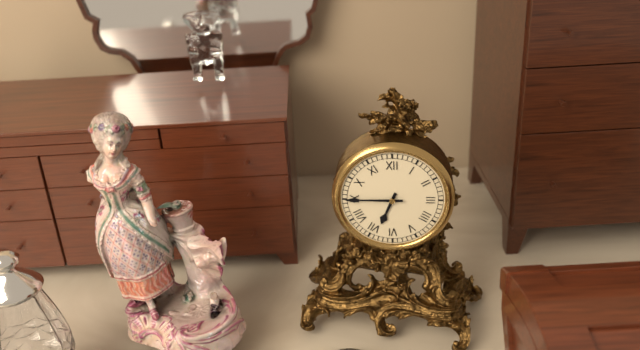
6.45
